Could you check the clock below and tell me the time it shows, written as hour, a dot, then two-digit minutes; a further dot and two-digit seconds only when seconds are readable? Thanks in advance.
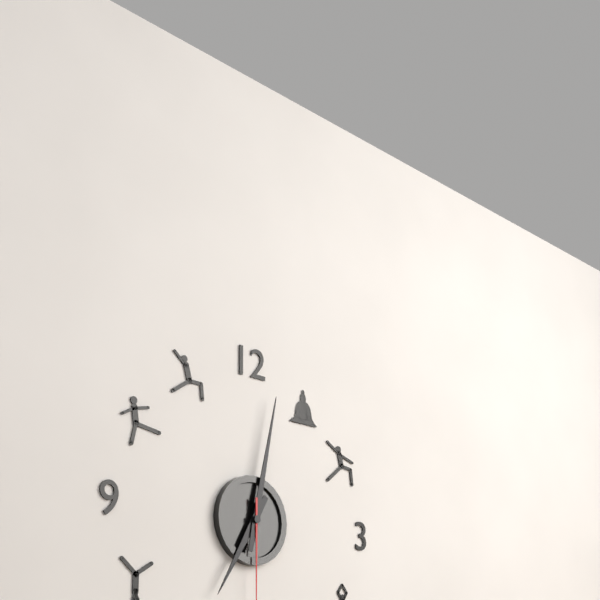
7.02
